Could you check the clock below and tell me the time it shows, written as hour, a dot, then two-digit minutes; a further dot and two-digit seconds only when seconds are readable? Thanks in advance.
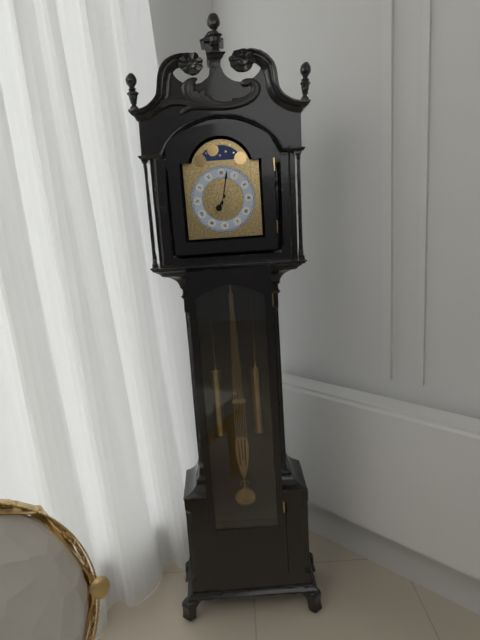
7.02
